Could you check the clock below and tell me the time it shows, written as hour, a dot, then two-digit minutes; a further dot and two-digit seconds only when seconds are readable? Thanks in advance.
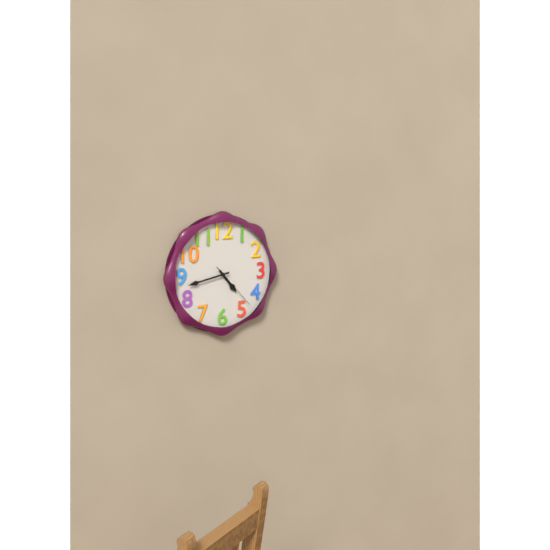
4.43.23
